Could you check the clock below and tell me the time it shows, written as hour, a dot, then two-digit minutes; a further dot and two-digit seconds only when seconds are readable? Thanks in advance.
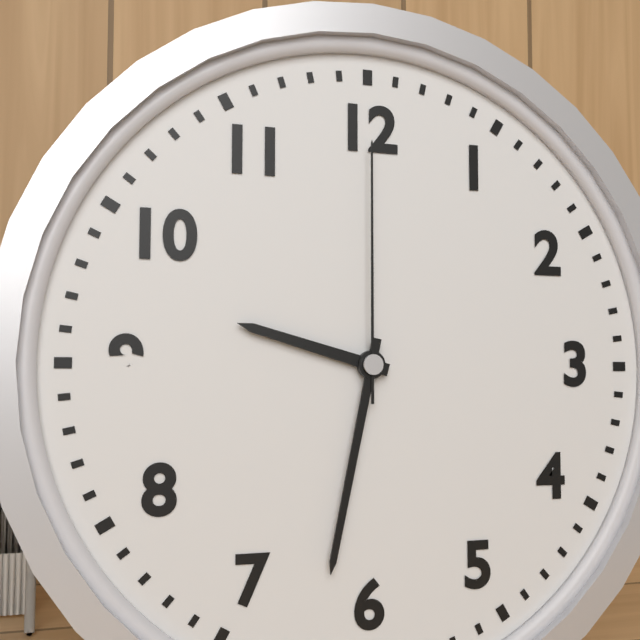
9.32.00
